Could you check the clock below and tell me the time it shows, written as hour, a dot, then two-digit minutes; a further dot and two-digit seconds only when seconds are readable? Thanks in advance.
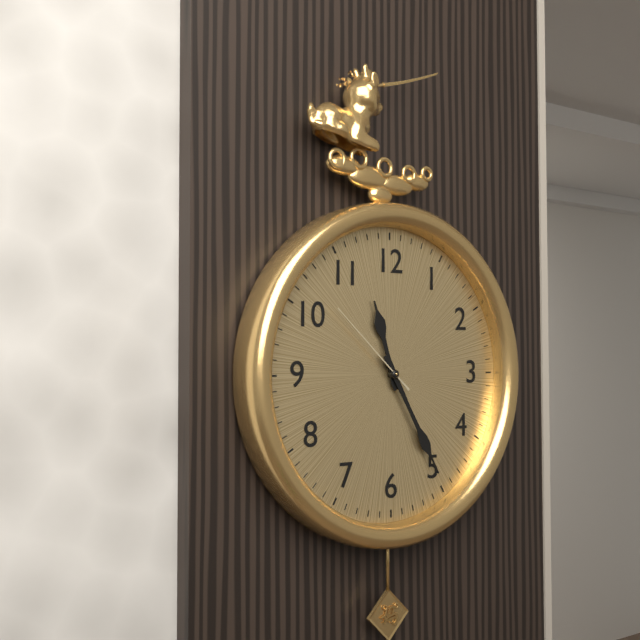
11.25.52
